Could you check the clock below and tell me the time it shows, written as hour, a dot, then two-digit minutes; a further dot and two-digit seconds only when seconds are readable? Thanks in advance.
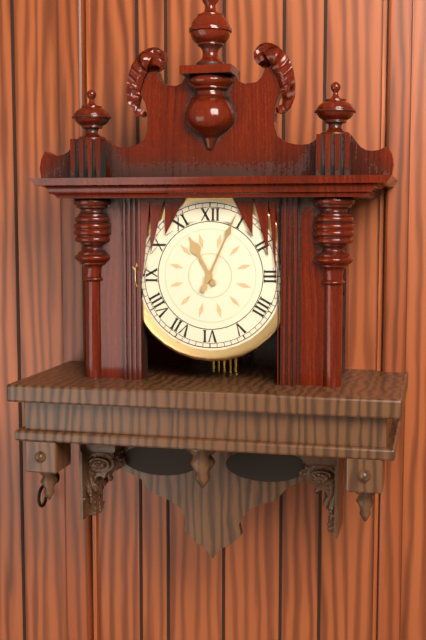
11.04
